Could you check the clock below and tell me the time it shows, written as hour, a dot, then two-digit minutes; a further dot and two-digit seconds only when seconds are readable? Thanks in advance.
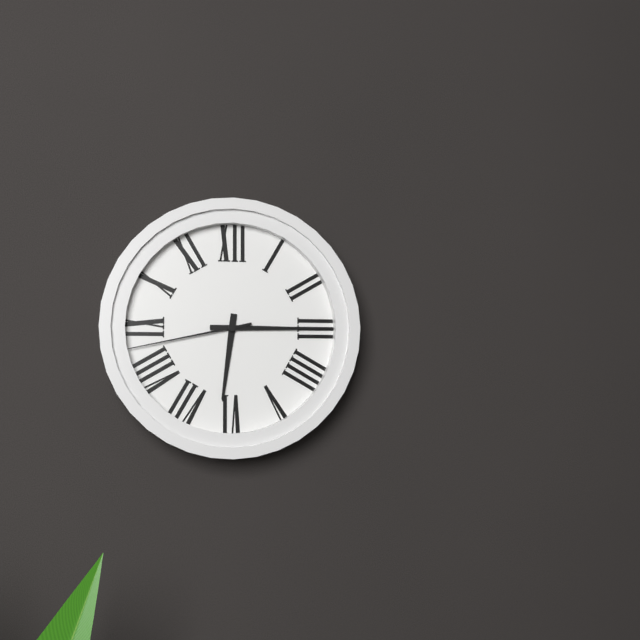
6.15.43
